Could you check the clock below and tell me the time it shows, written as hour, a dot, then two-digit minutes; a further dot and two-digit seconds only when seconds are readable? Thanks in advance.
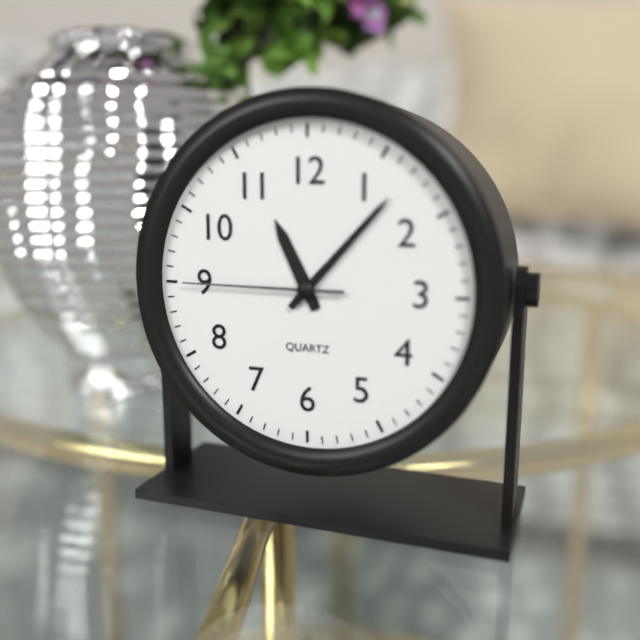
11.07.45
